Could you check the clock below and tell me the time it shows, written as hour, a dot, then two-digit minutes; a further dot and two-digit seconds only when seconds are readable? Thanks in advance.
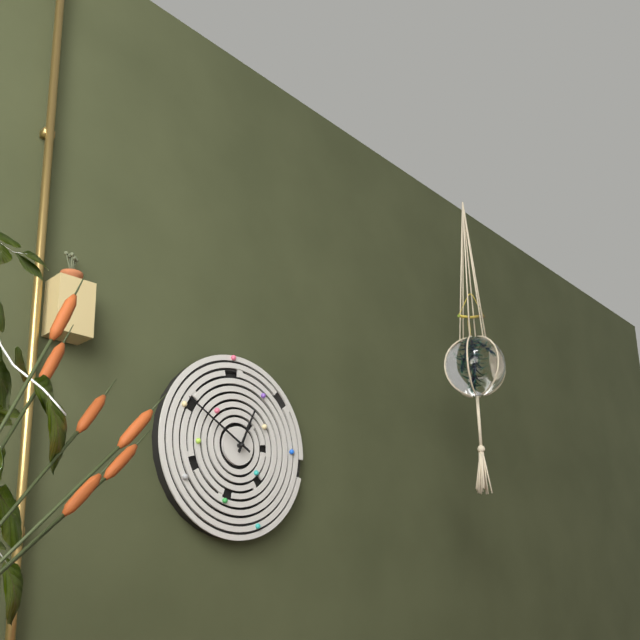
12.50
